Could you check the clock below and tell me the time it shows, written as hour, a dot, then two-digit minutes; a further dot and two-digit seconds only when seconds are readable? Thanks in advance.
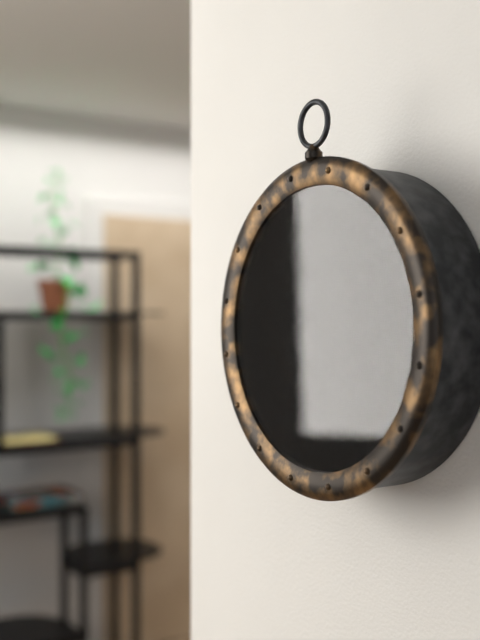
1.34
